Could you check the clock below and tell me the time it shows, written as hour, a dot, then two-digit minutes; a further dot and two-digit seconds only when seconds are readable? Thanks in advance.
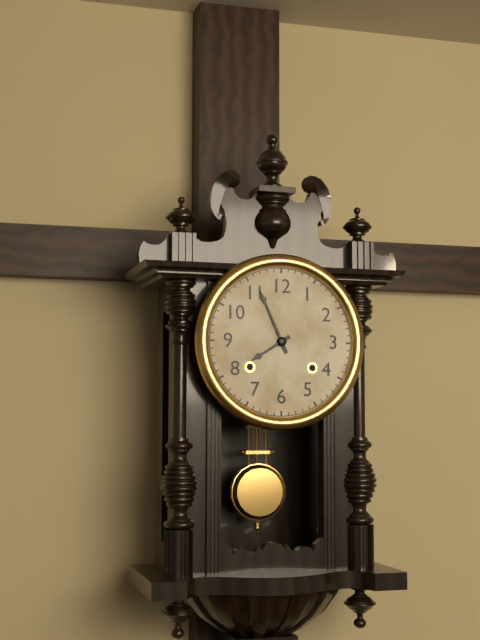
7.56
